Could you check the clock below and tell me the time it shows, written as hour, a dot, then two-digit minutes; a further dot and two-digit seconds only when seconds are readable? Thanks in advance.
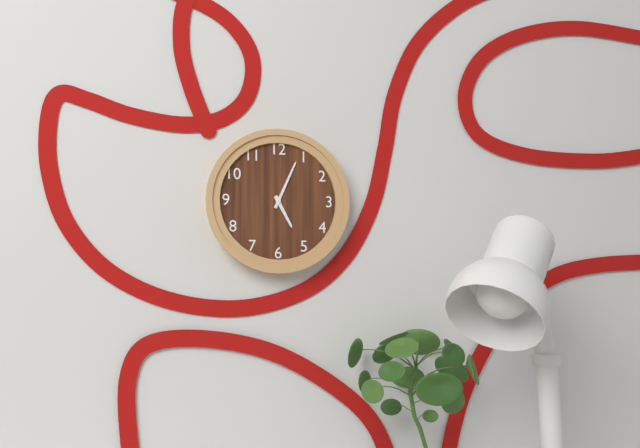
5.04
